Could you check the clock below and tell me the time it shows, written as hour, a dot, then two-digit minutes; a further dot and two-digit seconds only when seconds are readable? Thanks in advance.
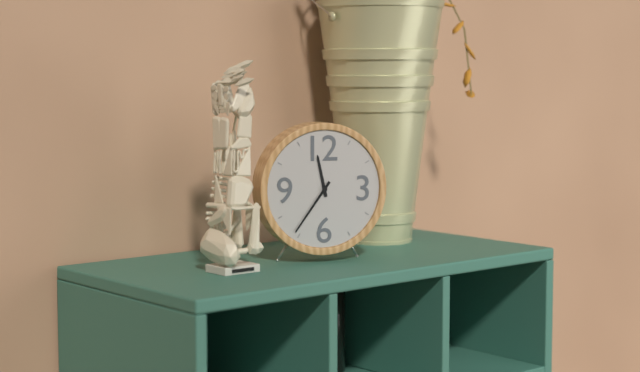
11.36
